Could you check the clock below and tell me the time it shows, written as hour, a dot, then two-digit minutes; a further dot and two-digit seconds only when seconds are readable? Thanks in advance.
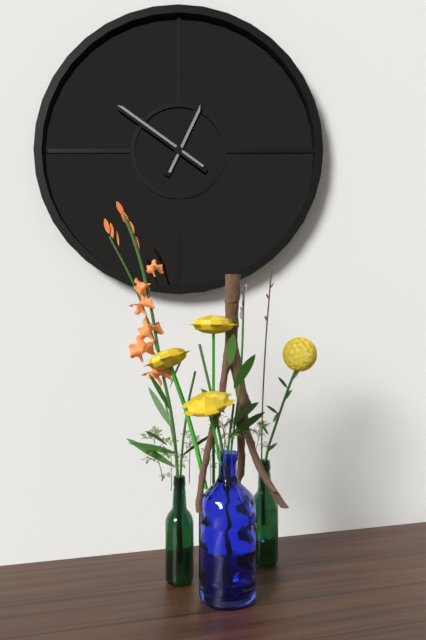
12.51
